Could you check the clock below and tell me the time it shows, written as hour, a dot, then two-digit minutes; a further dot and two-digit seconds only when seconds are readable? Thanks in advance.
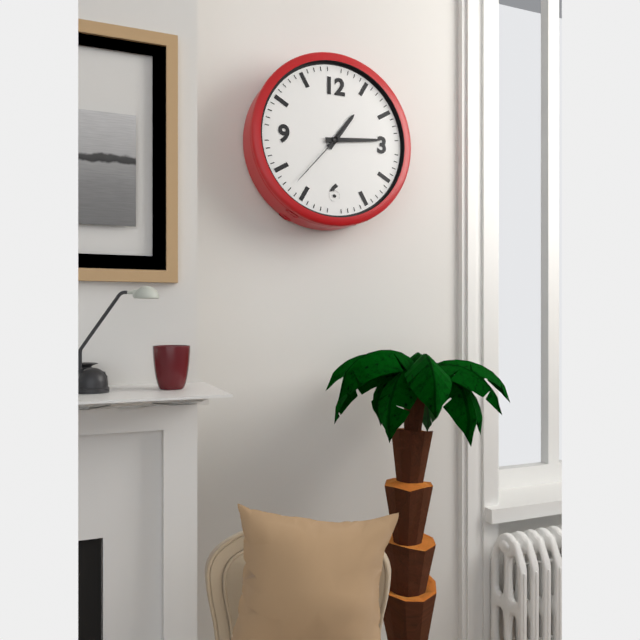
1.14.37
